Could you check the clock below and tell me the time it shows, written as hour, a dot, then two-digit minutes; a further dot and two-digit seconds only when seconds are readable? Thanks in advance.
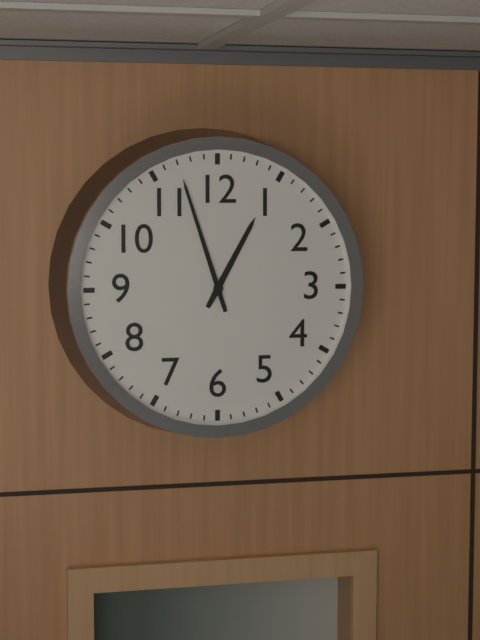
12.57
